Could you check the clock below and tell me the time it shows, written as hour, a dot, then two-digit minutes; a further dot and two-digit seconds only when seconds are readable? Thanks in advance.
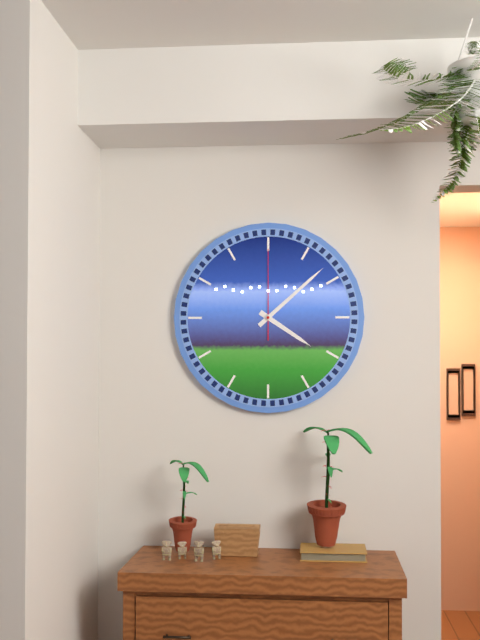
4.08.00
